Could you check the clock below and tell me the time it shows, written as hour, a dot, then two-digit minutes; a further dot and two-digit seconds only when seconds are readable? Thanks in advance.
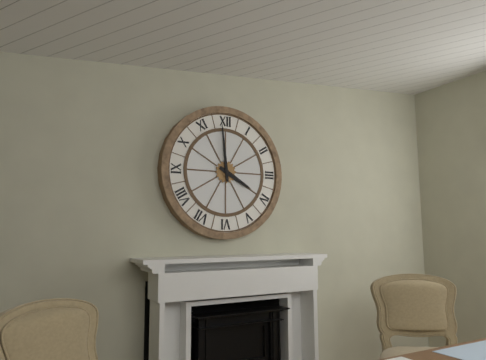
3.59
